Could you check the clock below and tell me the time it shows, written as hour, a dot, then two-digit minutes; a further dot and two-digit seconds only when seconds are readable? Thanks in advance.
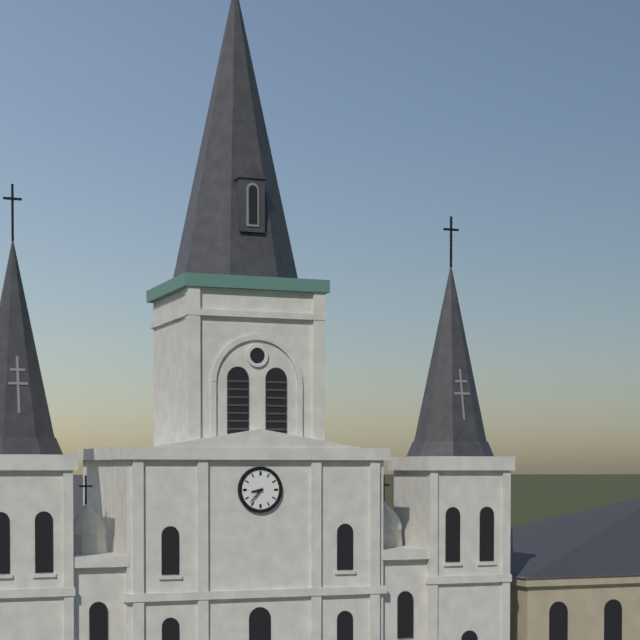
8.37
